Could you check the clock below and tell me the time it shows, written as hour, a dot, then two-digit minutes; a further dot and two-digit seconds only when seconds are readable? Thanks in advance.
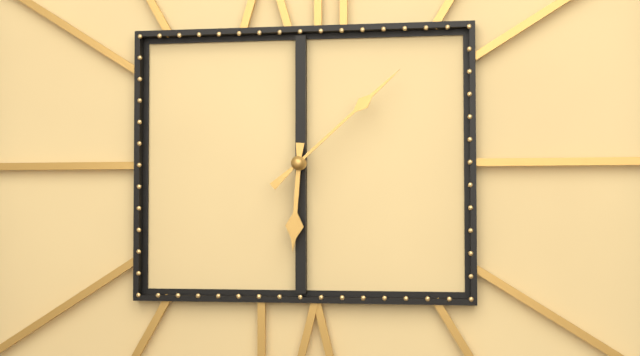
6.08
